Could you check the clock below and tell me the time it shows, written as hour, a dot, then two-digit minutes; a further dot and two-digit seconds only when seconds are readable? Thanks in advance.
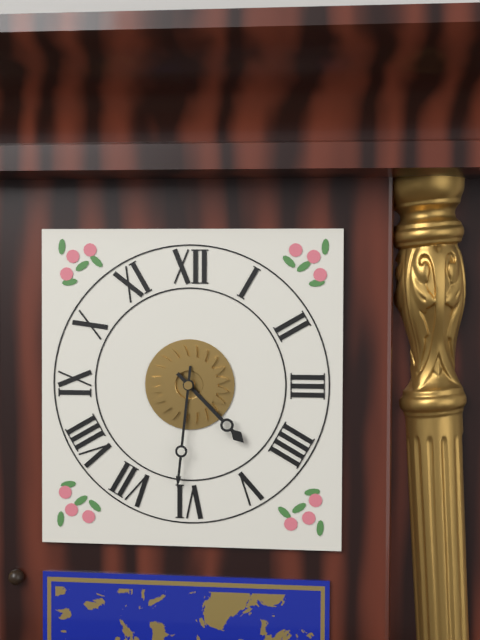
4.31
